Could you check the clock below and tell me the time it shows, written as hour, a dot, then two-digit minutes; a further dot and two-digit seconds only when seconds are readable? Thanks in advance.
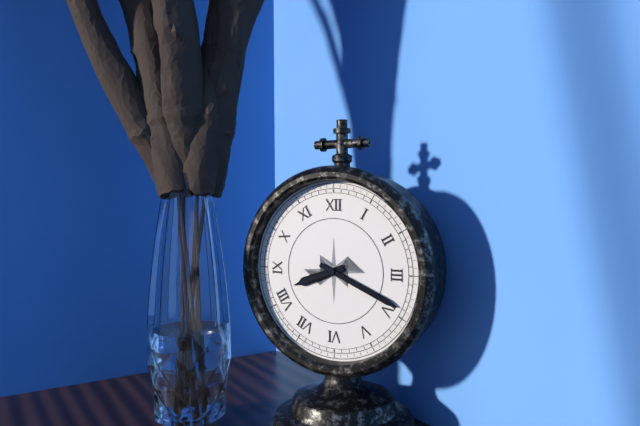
8.19
